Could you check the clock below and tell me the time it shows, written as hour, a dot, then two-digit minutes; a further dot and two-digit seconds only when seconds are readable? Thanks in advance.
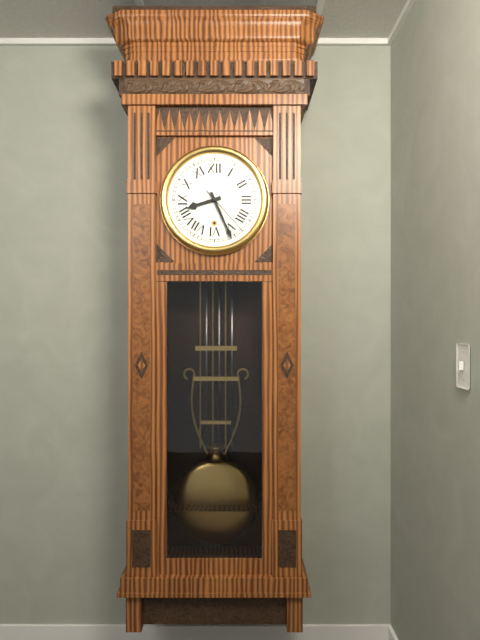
8.26
